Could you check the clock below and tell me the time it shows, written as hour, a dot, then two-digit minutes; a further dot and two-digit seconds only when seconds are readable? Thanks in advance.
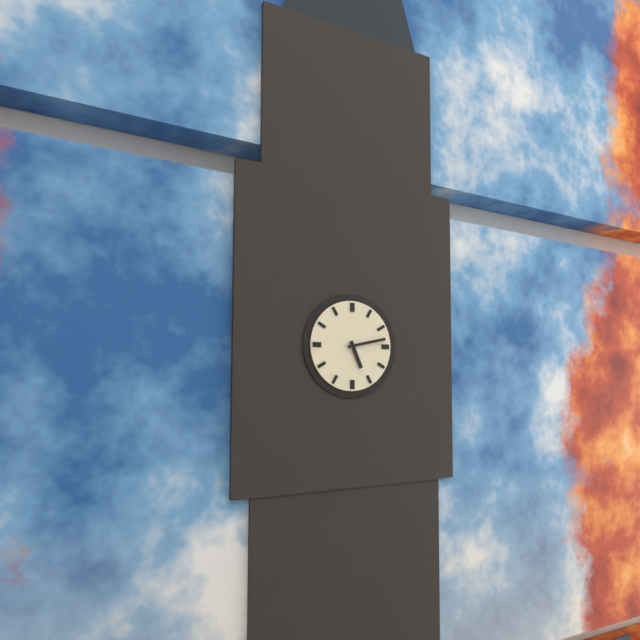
5.13
